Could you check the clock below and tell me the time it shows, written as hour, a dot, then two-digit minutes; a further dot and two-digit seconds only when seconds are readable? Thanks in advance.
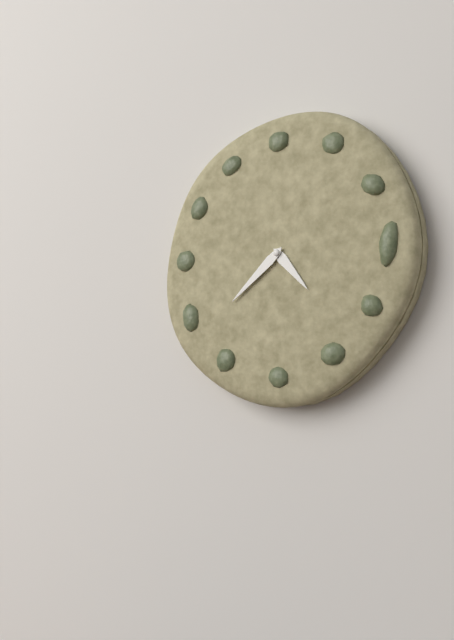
4.38
